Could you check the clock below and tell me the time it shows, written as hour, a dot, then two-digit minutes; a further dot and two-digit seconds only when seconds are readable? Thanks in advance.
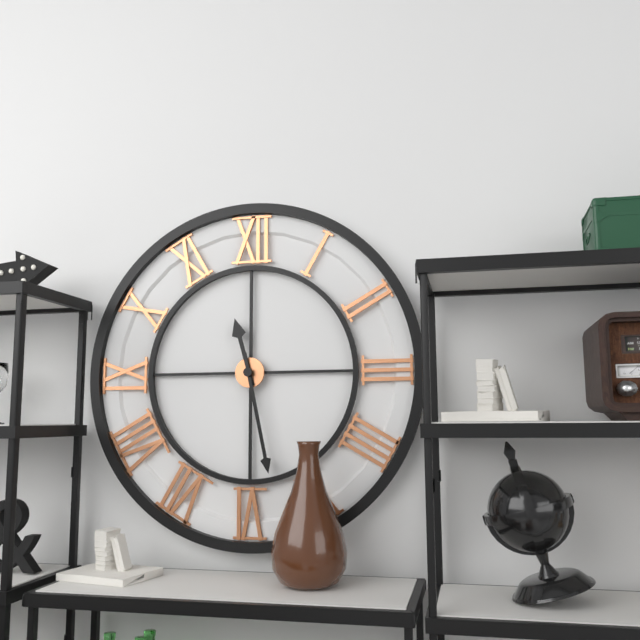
11.28
